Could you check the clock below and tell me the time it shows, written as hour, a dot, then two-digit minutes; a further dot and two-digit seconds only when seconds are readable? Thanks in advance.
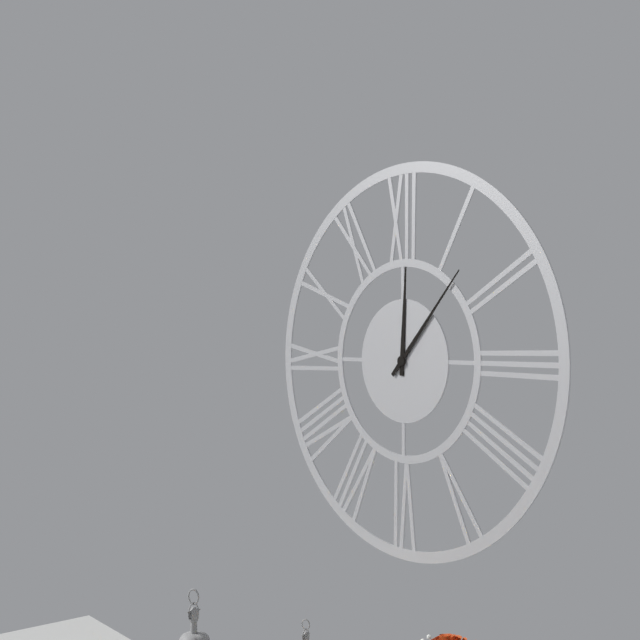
12.07
